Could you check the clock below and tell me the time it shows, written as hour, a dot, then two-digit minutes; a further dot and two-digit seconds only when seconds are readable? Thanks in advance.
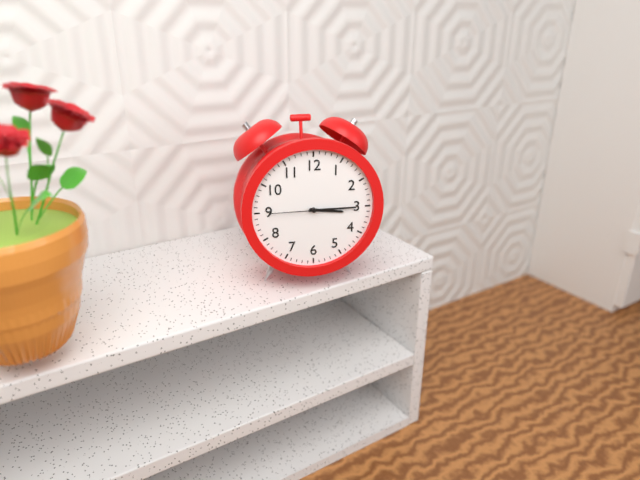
3.15.45
